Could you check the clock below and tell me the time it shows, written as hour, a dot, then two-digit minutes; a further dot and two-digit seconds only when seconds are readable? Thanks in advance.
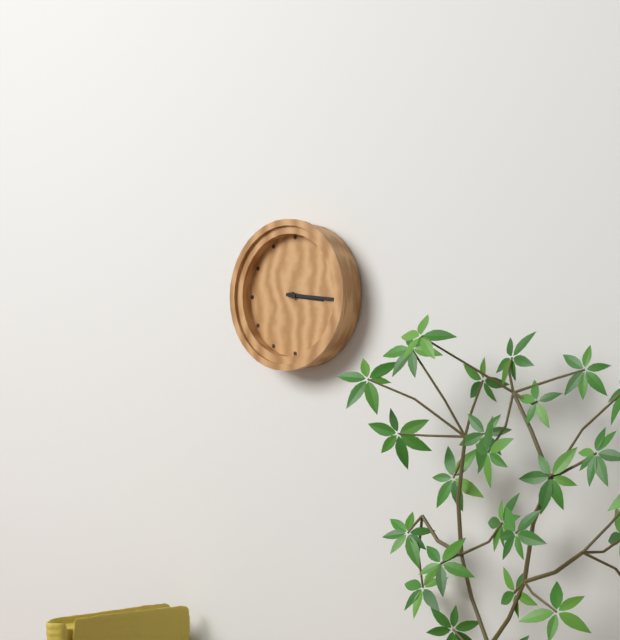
3.16
